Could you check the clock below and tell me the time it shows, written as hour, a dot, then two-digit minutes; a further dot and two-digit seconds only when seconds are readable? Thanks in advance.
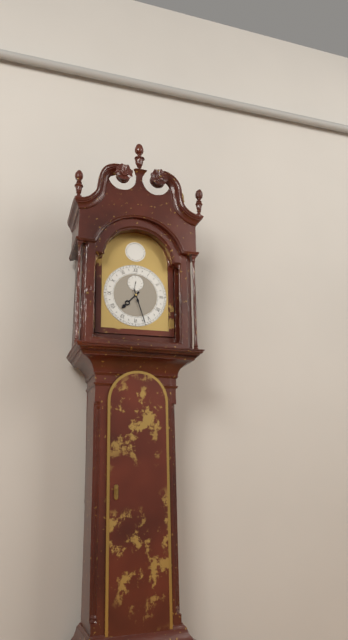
7.27
